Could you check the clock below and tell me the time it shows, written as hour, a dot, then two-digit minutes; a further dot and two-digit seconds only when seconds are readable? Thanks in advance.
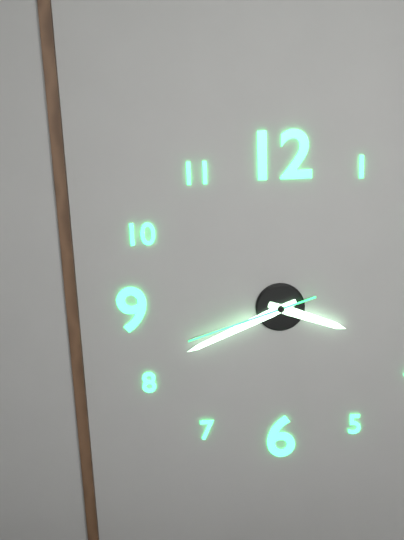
3.41.42
